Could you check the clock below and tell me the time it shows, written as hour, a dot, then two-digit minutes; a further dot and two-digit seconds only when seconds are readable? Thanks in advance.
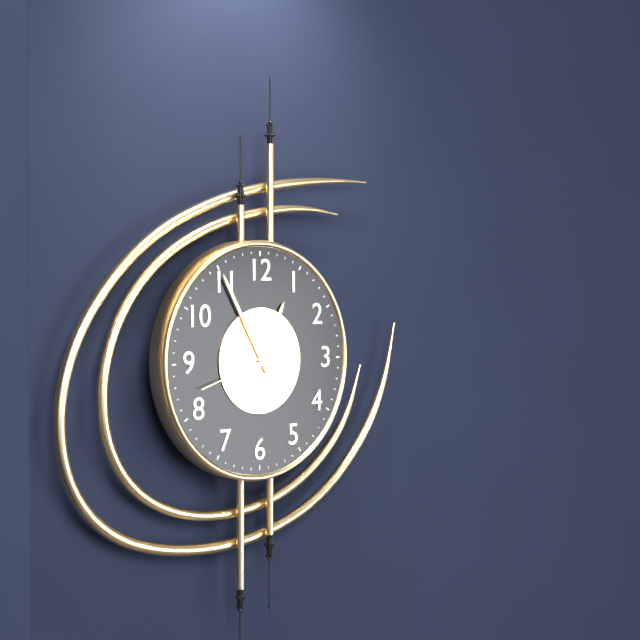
12.55.42
